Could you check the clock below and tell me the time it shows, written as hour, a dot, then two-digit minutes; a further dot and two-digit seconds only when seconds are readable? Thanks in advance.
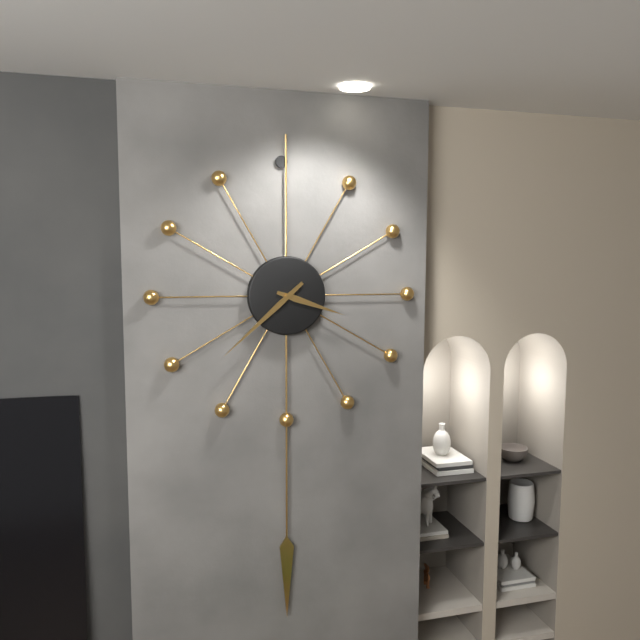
3.38
